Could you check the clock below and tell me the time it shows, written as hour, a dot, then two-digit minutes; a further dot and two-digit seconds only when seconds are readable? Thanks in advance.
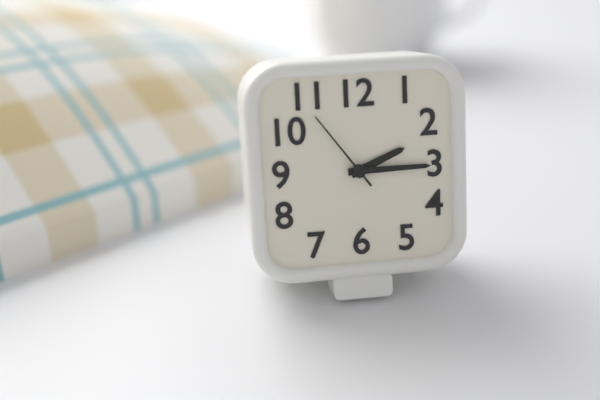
2.15.54
